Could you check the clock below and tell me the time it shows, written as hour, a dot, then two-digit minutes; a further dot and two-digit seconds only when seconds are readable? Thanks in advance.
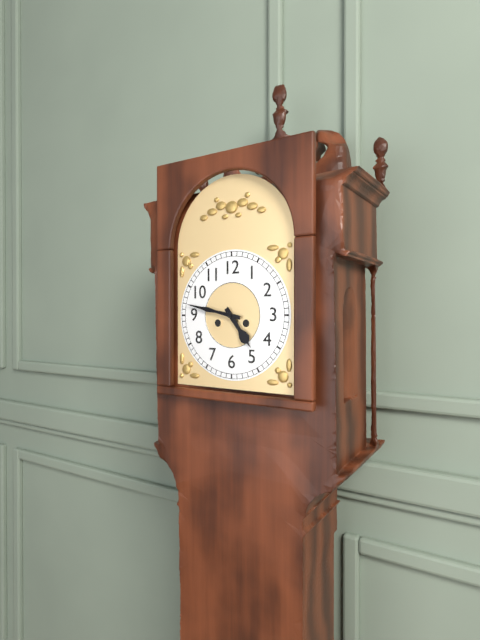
4.47
